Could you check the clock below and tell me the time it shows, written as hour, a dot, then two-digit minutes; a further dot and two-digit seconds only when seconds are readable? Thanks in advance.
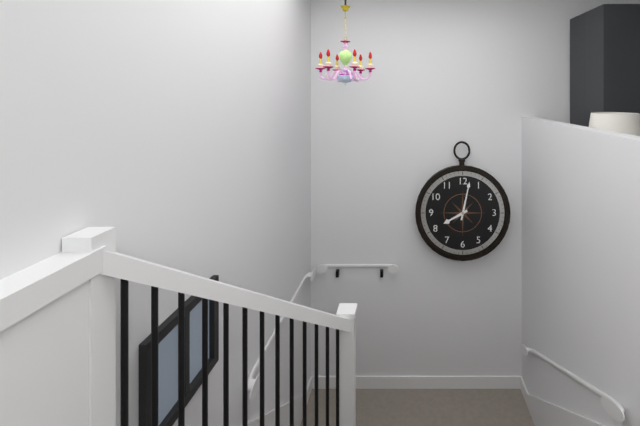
8.02
